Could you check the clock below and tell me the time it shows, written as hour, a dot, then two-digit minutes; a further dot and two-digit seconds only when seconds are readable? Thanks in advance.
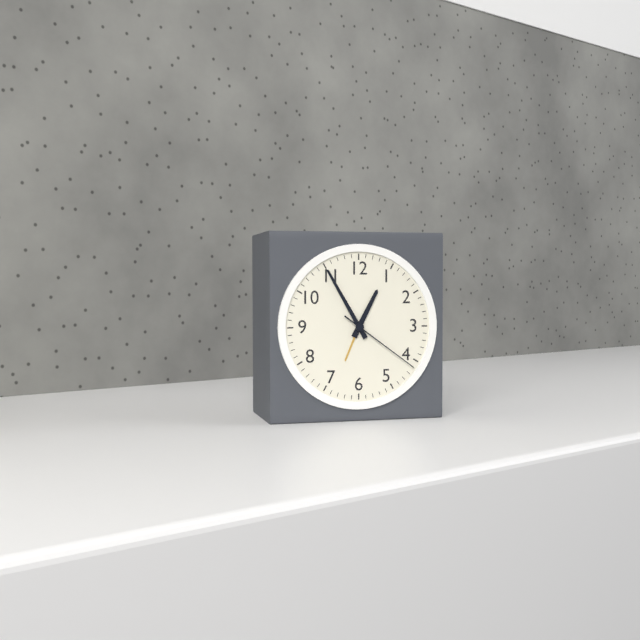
12.55.21
